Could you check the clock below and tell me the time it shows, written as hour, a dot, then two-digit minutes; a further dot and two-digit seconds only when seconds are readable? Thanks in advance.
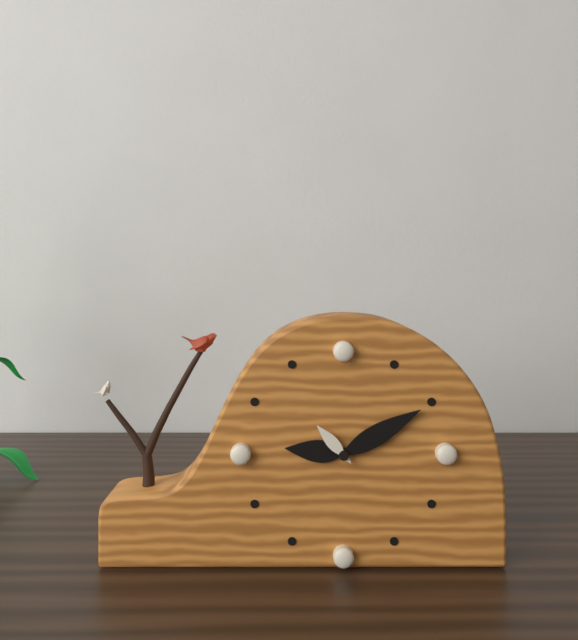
9.10.53
